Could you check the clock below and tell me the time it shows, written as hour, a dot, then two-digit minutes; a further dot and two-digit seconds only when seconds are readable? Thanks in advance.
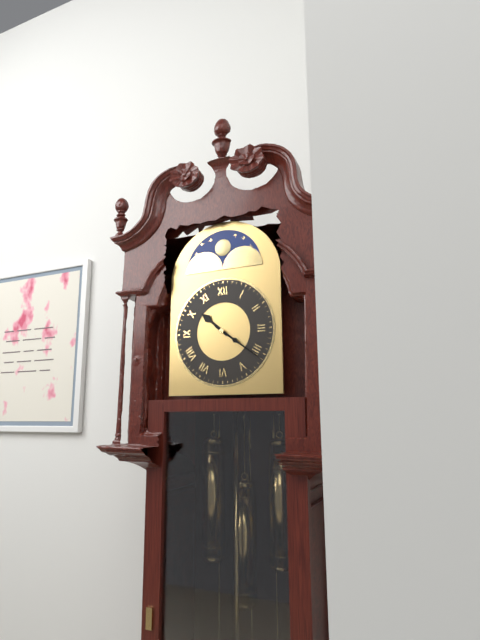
10.21
